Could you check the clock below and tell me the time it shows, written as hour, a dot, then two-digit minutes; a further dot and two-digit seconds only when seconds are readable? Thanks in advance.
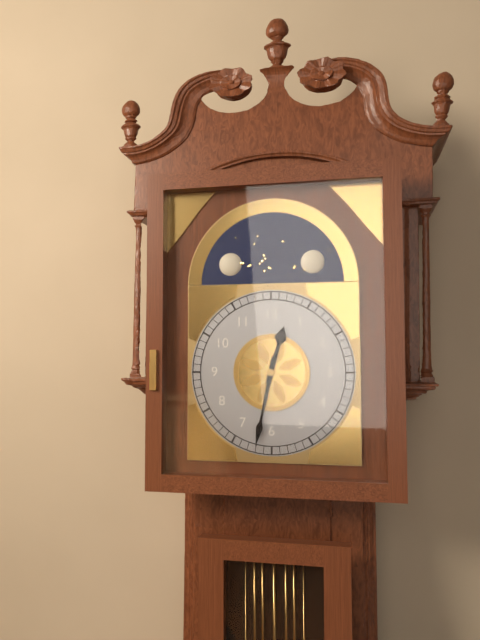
12.32
